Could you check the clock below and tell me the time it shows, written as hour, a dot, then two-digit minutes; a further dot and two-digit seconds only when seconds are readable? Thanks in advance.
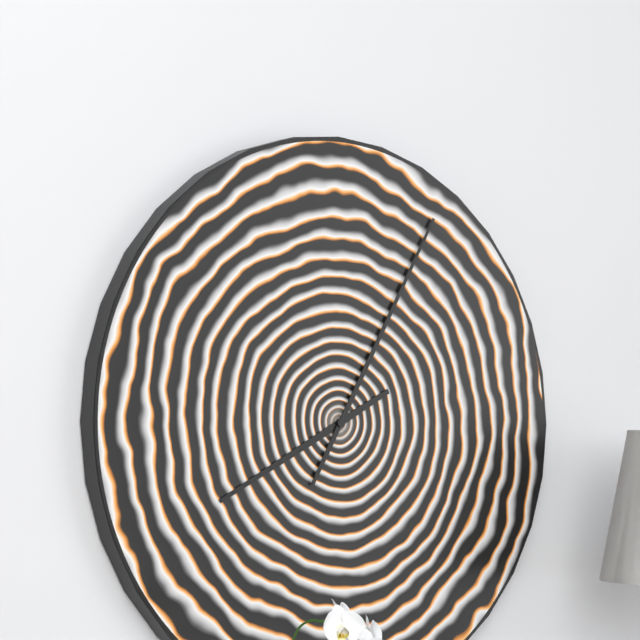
8.05
